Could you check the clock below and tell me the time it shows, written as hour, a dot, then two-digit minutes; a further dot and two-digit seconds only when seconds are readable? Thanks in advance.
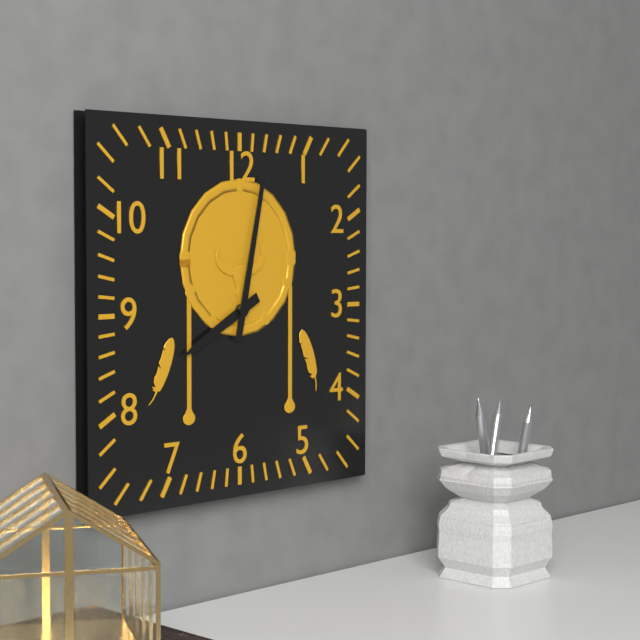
8.02
